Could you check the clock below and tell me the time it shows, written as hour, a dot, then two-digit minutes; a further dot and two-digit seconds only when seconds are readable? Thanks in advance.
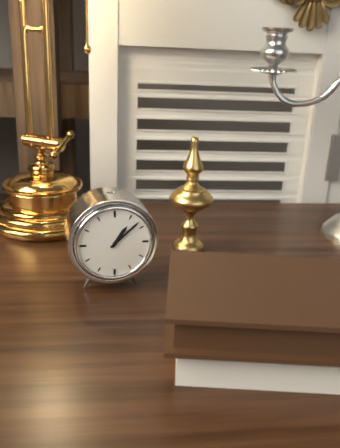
1.08
